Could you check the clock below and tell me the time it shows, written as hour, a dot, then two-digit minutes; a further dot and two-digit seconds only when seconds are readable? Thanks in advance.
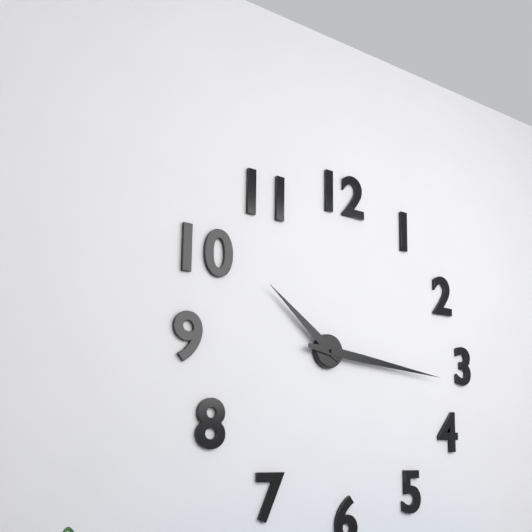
10.16
